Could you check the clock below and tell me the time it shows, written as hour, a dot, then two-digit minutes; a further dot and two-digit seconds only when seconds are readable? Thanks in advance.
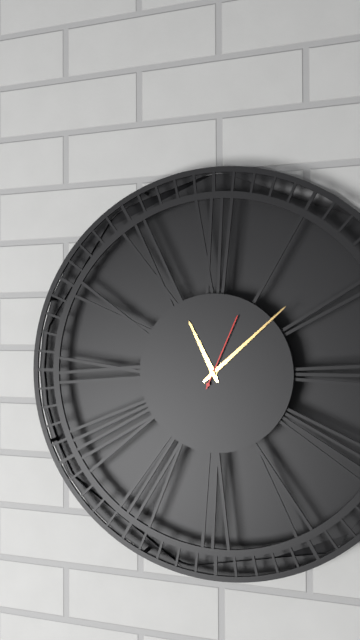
11.08.04
